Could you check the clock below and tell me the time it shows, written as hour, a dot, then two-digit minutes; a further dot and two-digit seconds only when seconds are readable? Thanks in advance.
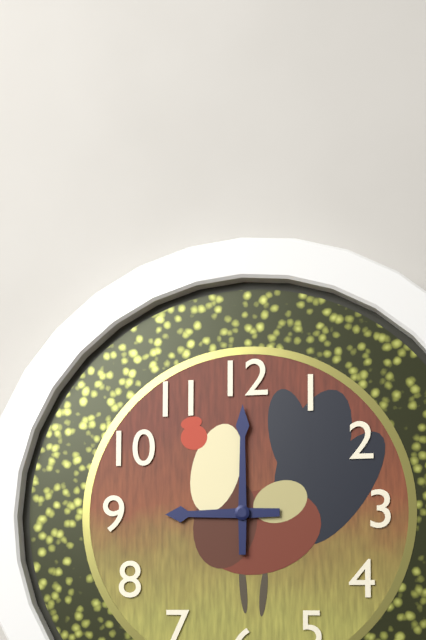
9.00
